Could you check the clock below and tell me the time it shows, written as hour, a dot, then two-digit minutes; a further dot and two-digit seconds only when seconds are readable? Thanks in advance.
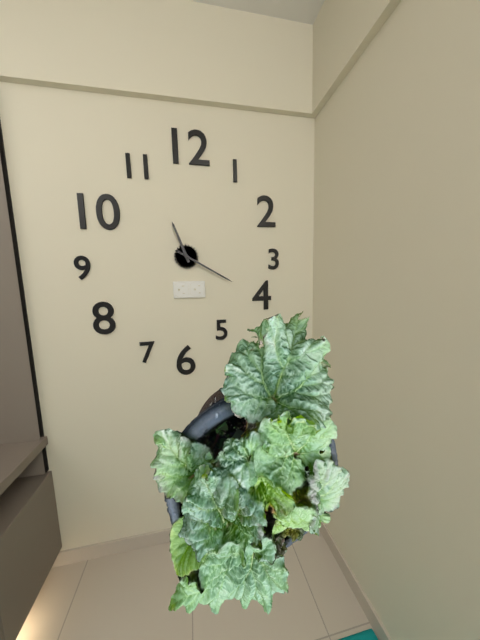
11.20
